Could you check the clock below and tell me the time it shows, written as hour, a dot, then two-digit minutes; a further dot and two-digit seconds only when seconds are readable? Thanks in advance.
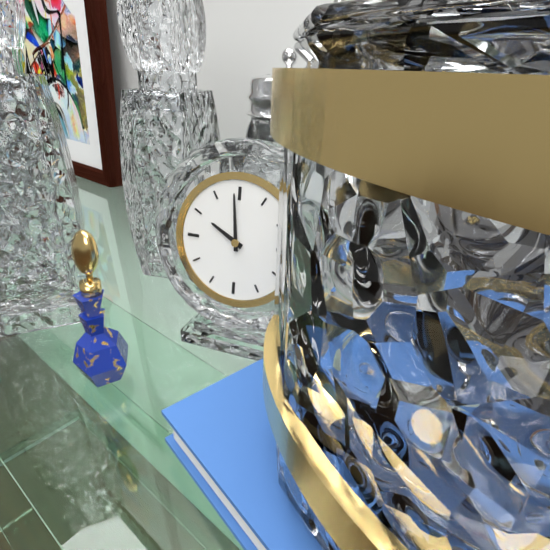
9.59
